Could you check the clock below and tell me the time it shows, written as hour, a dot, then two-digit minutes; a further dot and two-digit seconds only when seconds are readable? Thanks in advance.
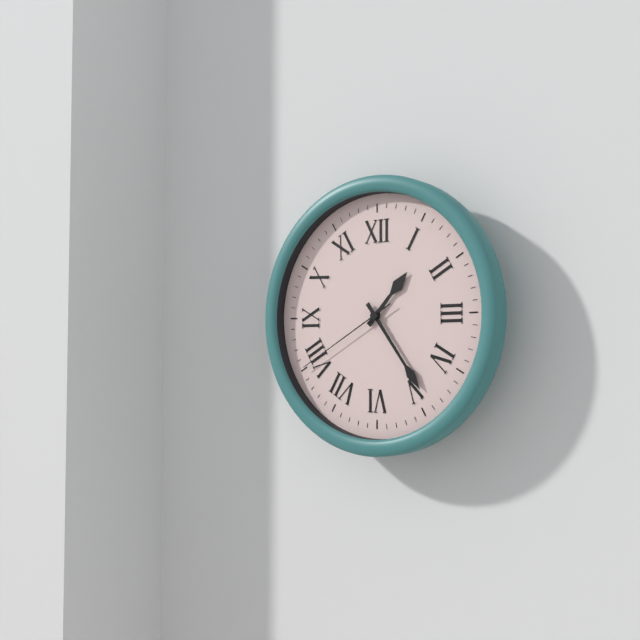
1.24.40
